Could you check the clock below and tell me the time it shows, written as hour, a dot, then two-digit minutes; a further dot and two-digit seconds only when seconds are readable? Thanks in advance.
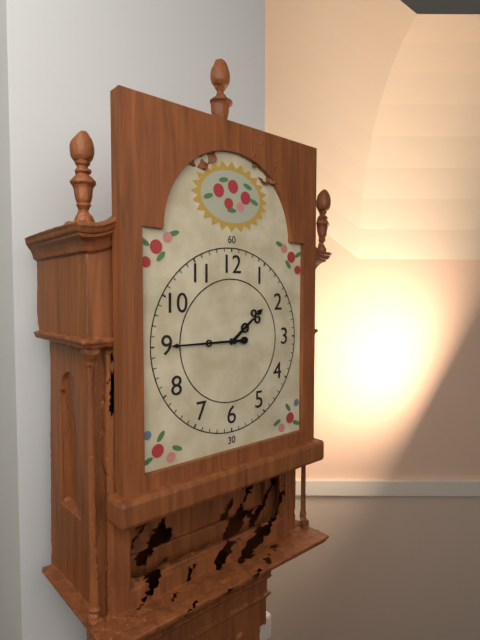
1.45
